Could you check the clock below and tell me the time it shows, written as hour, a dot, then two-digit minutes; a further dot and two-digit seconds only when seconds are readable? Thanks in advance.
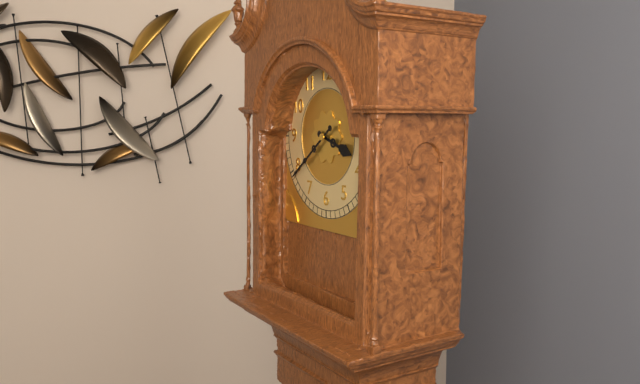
3.39
